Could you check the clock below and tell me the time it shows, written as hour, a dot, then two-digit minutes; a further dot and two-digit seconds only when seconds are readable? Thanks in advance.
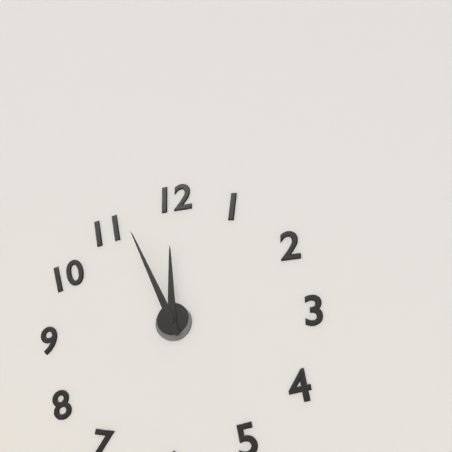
11.56
